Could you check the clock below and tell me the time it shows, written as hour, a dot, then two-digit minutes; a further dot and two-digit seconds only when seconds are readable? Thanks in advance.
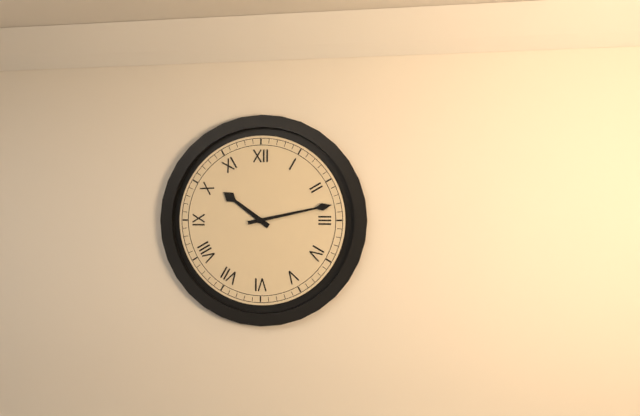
10.13
